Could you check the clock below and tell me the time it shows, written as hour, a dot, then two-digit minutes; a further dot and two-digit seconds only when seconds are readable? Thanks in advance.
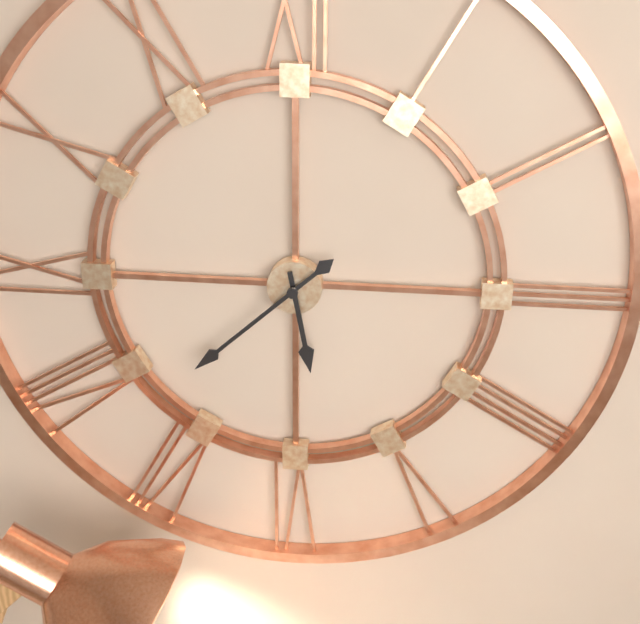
5.38
